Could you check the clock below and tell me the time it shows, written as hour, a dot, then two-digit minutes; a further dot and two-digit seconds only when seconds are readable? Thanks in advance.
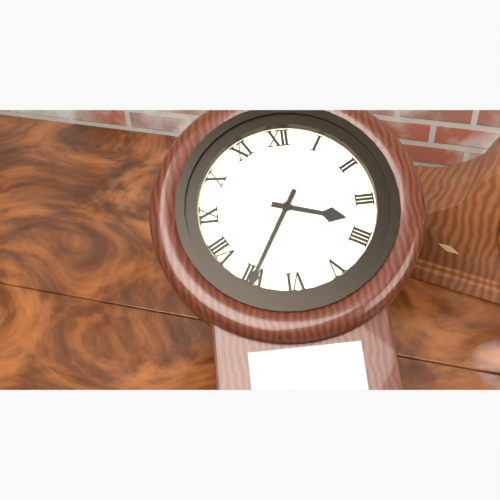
3.35
